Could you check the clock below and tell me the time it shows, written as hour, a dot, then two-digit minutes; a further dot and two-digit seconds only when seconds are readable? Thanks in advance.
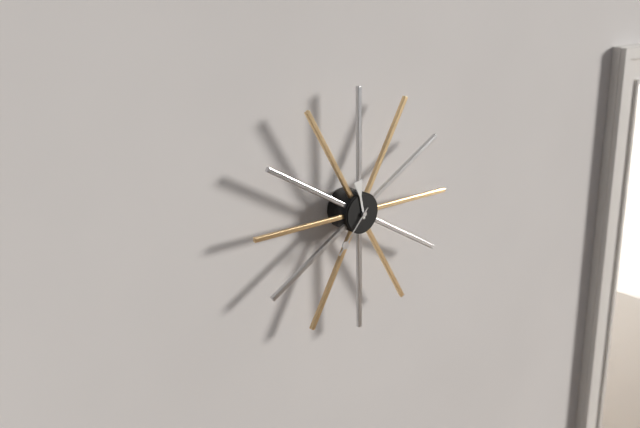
11.37
